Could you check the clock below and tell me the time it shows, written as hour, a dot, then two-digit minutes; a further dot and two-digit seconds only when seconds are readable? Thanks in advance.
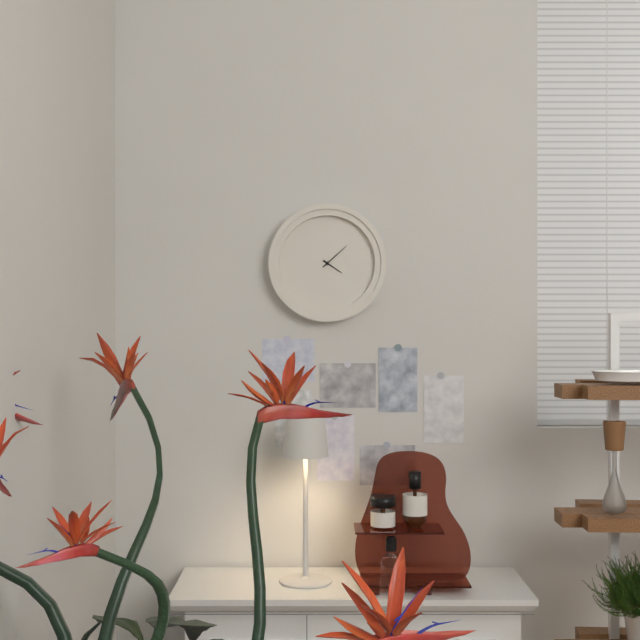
4.08
